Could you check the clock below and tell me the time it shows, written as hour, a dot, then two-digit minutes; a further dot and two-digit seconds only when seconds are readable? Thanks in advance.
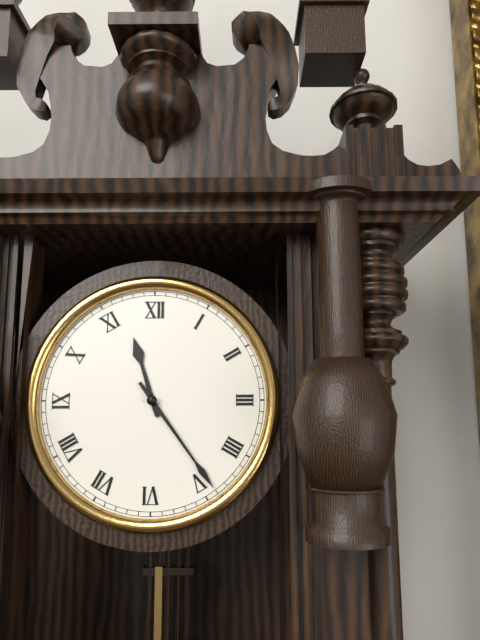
11.24
